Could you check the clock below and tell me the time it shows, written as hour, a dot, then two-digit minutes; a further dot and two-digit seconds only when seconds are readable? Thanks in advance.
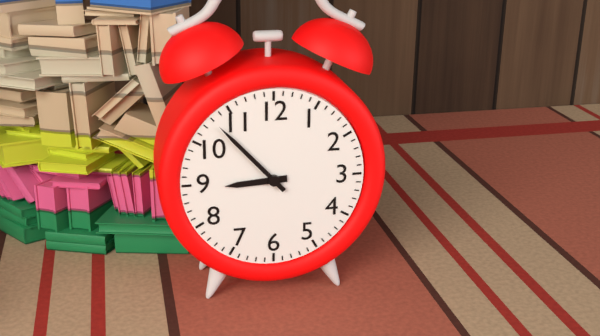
8.53
